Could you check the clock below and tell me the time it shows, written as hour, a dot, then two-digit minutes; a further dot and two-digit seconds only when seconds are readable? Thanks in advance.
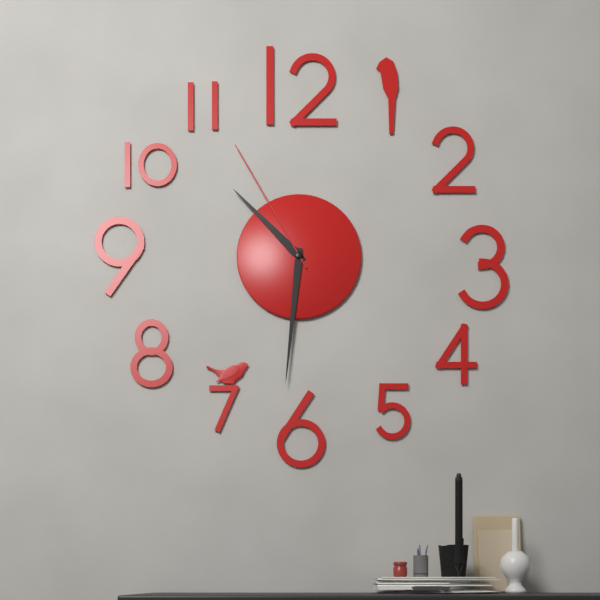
10.31.55
